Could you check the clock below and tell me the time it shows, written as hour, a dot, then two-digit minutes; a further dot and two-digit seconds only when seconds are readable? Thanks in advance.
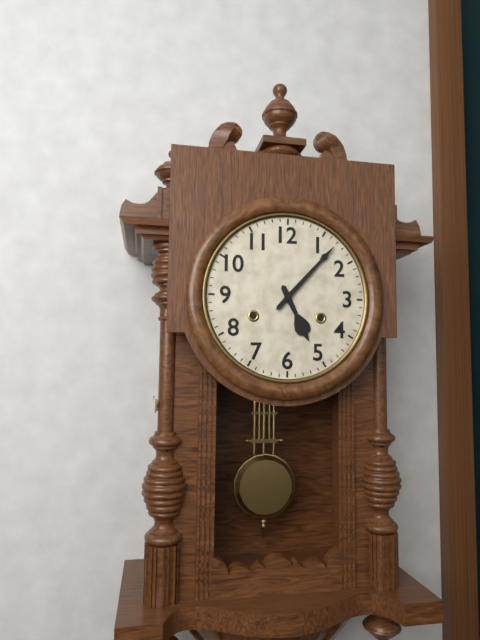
5.07
